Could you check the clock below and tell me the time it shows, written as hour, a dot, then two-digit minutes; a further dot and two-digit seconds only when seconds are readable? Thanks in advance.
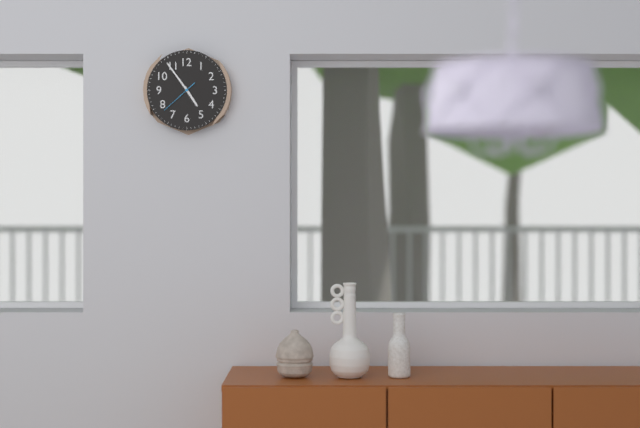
4.54
